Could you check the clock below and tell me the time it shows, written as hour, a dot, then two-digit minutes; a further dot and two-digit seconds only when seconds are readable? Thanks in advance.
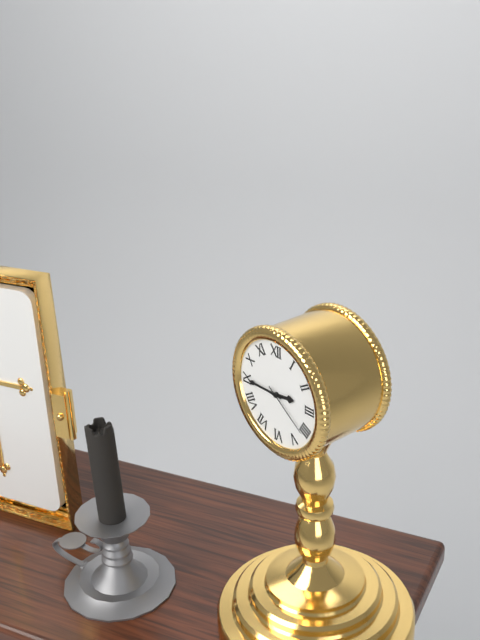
2.45.21
